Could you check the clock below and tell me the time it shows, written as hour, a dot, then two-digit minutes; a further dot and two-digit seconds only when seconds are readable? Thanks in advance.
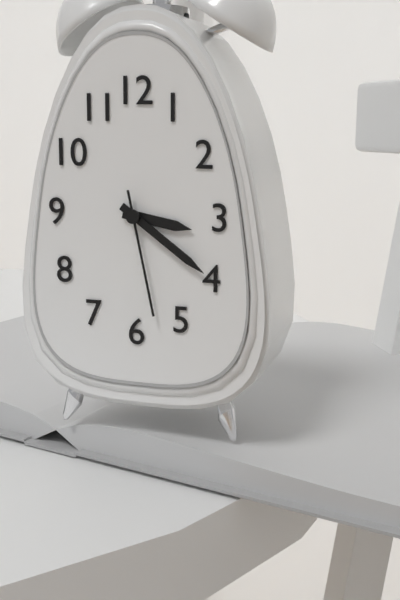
3.21.28
